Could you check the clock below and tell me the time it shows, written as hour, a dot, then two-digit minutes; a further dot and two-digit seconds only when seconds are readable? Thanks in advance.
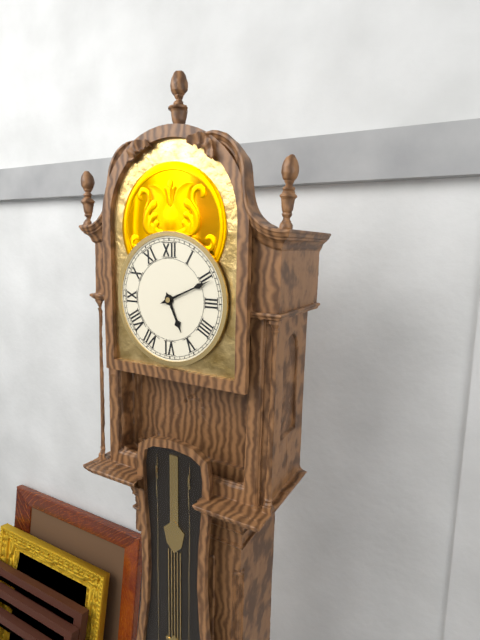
5.11
